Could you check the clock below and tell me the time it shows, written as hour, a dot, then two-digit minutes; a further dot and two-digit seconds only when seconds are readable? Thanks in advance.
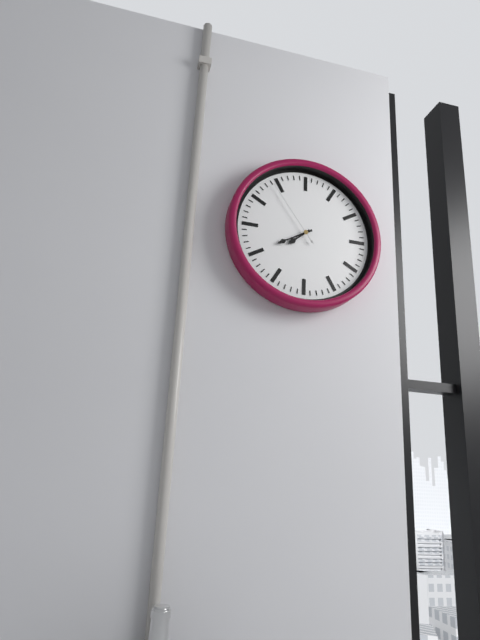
7.40.54
